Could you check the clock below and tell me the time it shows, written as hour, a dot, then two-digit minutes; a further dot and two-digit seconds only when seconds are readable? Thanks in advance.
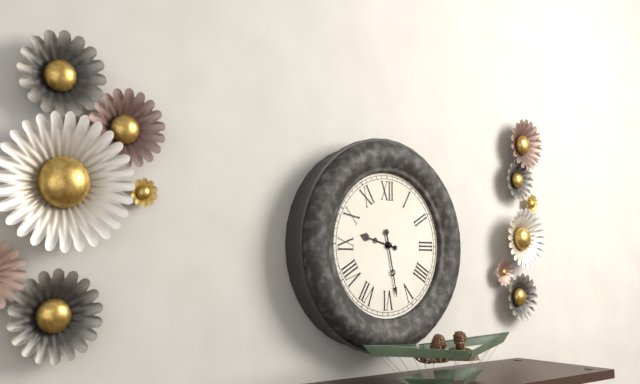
9.28
